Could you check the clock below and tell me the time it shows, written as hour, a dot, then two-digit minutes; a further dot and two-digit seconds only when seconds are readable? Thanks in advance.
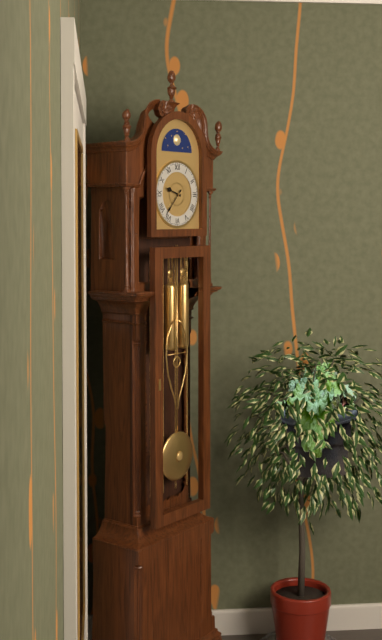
9.37
